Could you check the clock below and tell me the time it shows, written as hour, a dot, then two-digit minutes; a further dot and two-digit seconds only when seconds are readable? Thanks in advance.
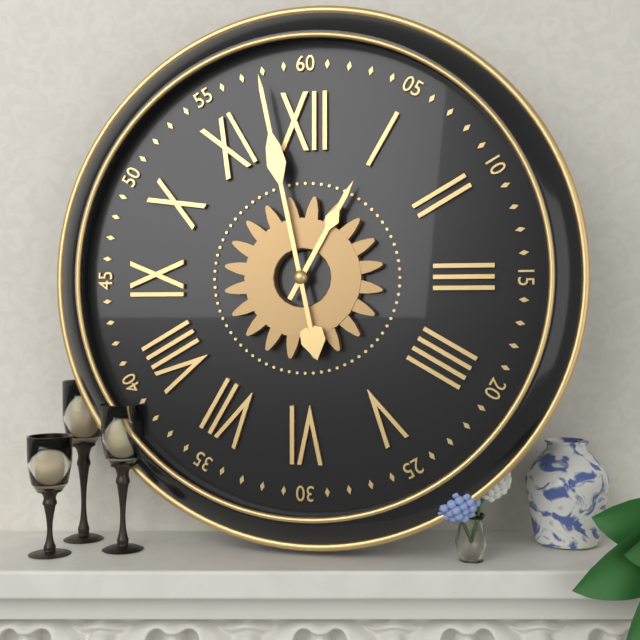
12.58
